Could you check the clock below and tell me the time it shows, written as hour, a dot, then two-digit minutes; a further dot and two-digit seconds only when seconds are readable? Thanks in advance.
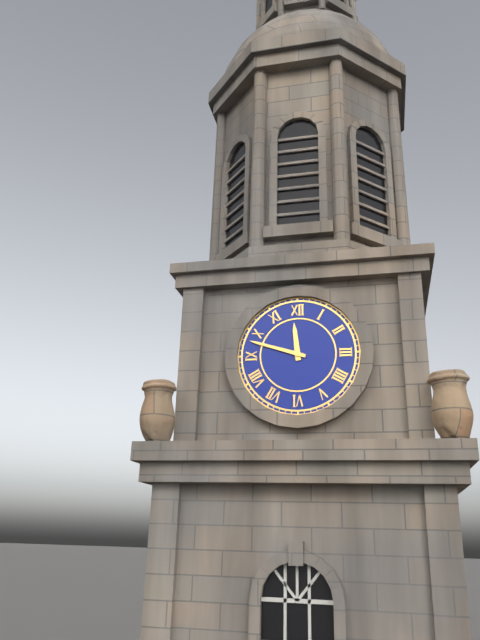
11.48
